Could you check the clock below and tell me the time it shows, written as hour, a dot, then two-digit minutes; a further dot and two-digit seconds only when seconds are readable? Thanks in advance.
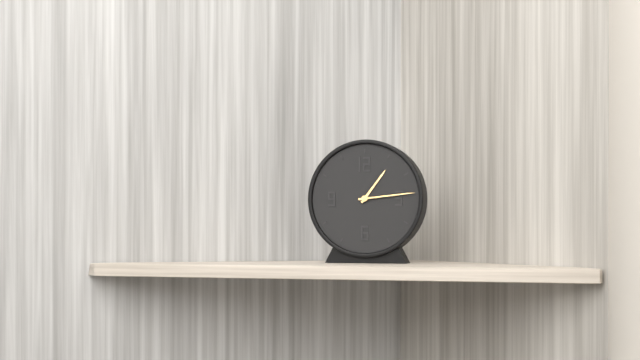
1.14
